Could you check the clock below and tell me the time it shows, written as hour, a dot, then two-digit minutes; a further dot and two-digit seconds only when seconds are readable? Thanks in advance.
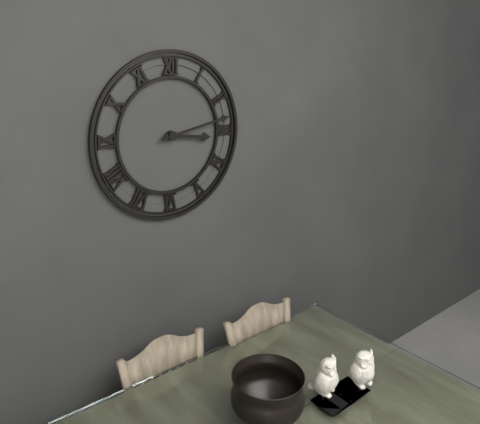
3.13
